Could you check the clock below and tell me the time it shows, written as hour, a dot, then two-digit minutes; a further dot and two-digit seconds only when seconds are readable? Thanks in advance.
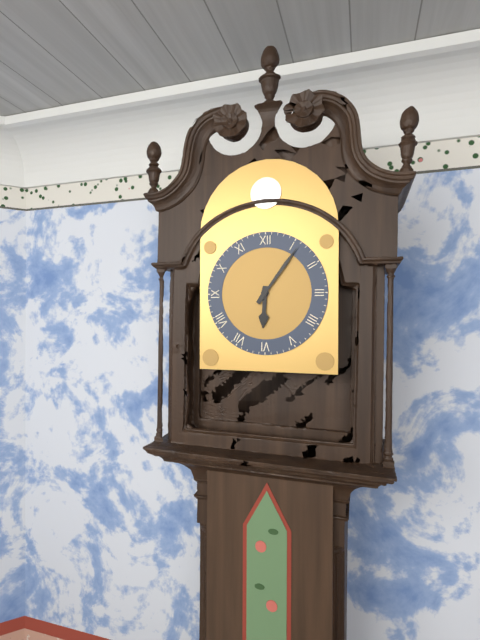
6.06
